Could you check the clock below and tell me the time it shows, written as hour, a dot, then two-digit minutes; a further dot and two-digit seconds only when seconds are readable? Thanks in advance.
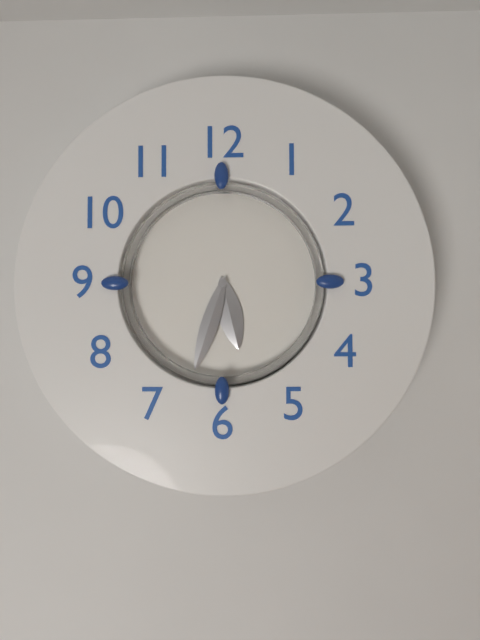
5.33
